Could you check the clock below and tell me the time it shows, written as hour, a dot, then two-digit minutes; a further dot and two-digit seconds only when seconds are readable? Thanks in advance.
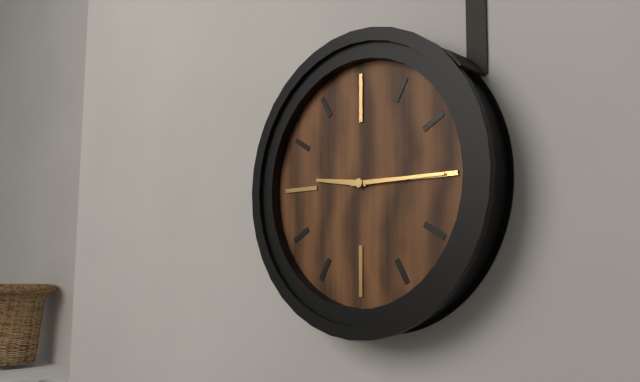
9.15
